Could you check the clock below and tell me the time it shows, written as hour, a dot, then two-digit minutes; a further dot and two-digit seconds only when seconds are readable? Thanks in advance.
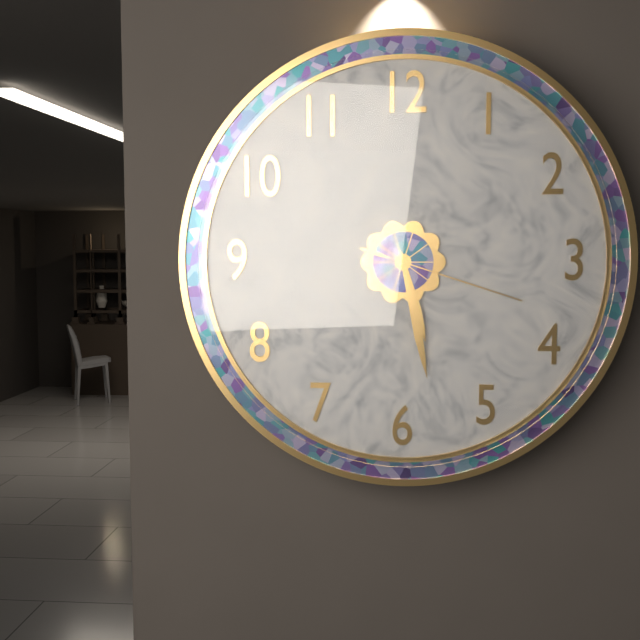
5.28.18
